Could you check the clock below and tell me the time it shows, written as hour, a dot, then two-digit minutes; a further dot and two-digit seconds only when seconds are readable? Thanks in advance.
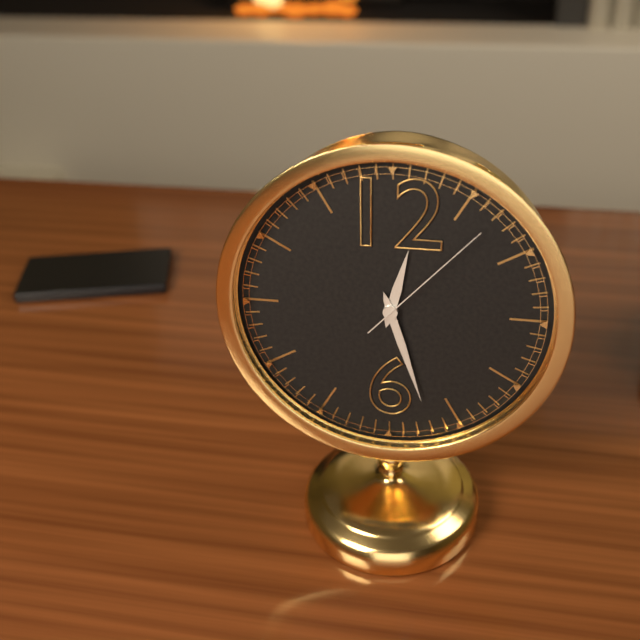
12.27.07
